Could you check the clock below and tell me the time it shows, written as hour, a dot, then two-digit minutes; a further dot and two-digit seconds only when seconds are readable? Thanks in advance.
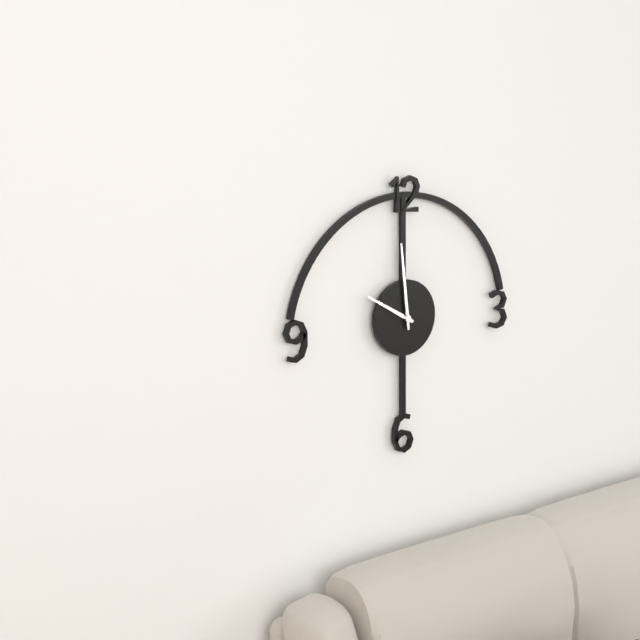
9.59
